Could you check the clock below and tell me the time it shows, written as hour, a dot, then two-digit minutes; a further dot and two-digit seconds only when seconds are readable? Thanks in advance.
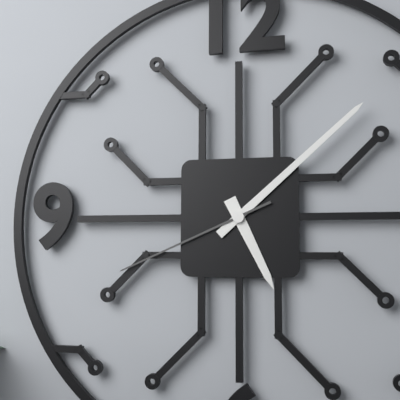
5.08.41
